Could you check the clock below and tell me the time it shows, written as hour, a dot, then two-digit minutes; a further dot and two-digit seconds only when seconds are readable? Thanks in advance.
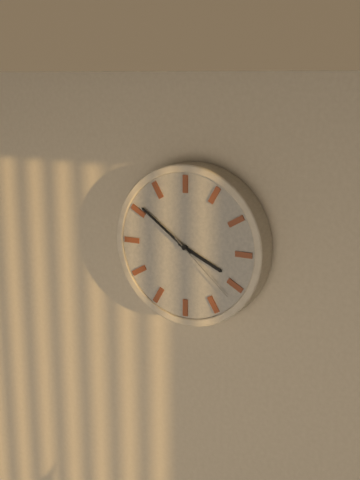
3.51.22
